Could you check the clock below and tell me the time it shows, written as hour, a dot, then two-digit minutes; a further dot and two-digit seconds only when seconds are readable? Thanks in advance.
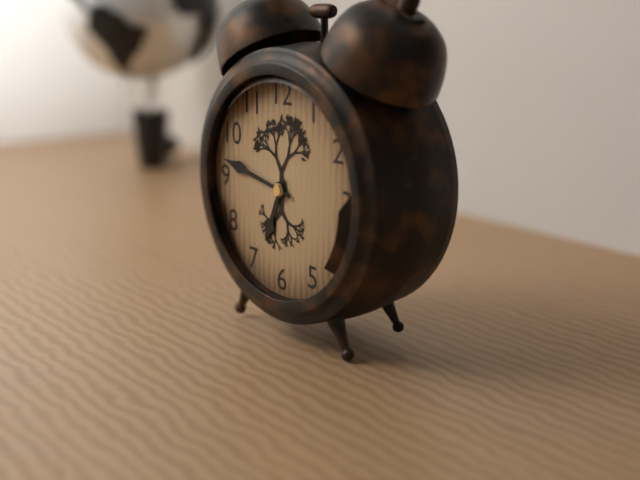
6.47
